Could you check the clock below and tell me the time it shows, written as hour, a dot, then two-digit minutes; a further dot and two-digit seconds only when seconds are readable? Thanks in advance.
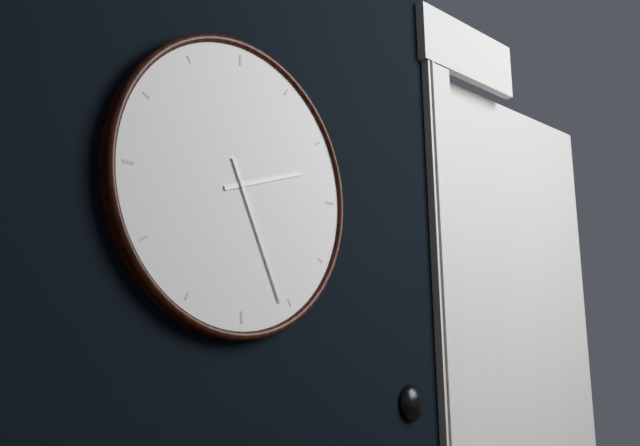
2.26
